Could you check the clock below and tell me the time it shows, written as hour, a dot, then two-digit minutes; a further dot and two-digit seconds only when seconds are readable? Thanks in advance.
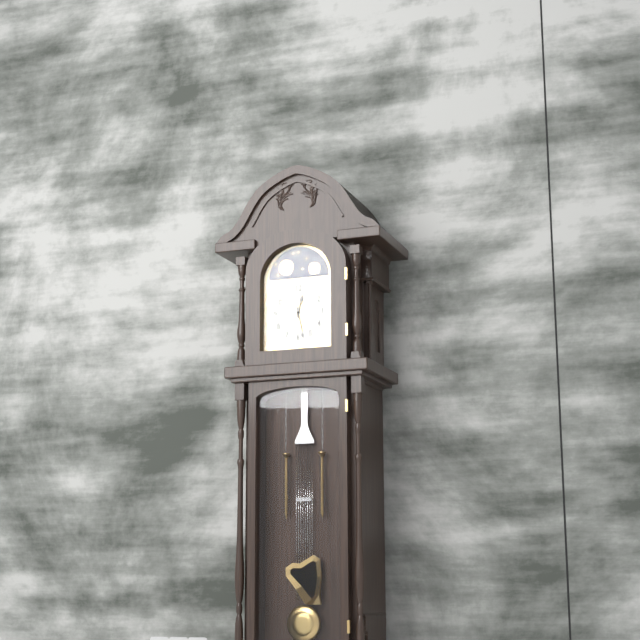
12.28
